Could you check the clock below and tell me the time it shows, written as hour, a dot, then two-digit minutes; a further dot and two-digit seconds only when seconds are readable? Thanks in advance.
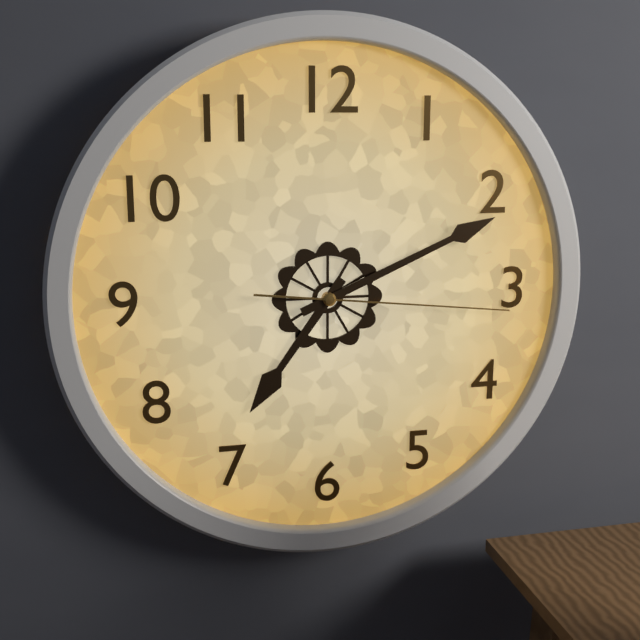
7.11.16
